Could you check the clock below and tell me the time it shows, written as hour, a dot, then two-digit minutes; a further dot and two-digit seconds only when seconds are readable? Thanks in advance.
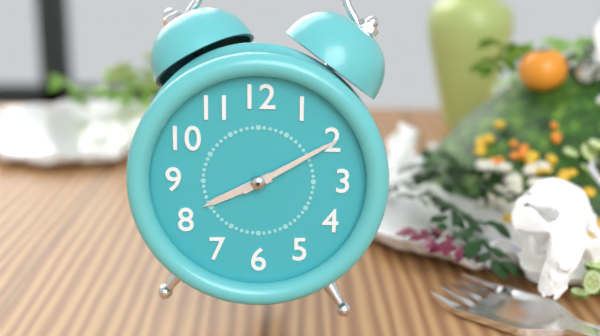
8.10
